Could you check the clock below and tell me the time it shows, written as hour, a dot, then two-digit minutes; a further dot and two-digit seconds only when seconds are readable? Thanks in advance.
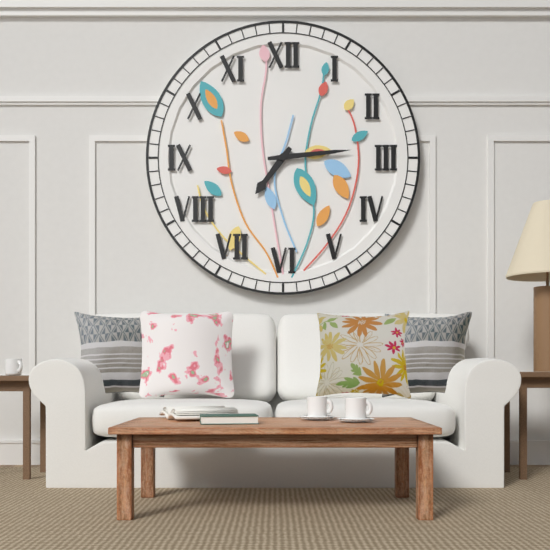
7.14
